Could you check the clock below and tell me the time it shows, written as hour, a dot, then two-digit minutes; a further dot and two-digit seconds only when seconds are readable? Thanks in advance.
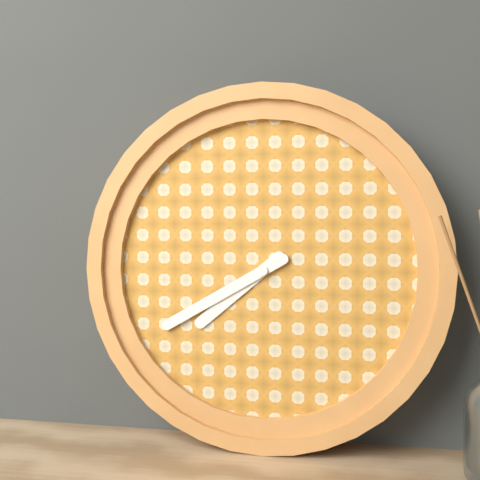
7.40
